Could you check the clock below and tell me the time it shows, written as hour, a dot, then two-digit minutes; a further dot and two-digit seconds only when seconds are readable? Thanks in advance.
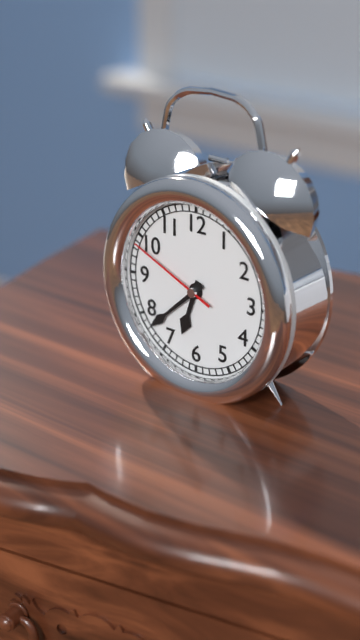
6.38.49
